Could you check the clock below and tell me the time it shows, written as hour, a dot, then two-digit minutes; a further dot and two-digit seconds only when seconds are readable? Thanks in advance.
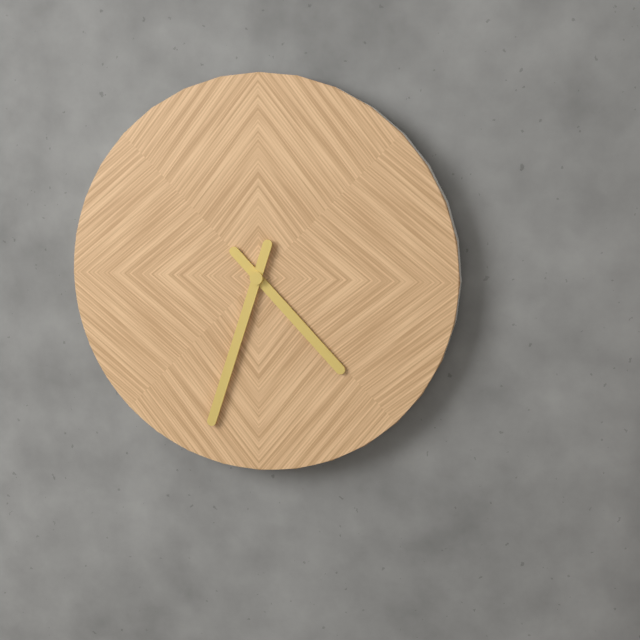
4.33
